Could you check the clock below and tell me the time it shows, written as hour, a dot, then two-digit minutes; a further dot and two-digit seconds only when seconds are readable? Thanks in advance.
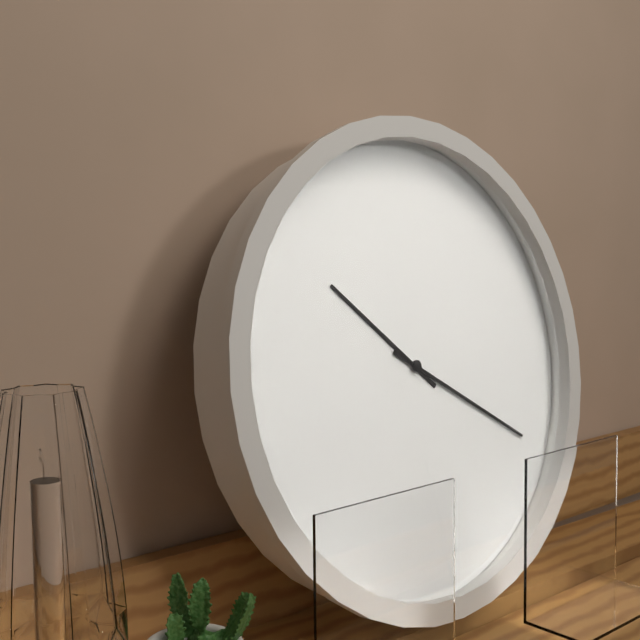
10.20
